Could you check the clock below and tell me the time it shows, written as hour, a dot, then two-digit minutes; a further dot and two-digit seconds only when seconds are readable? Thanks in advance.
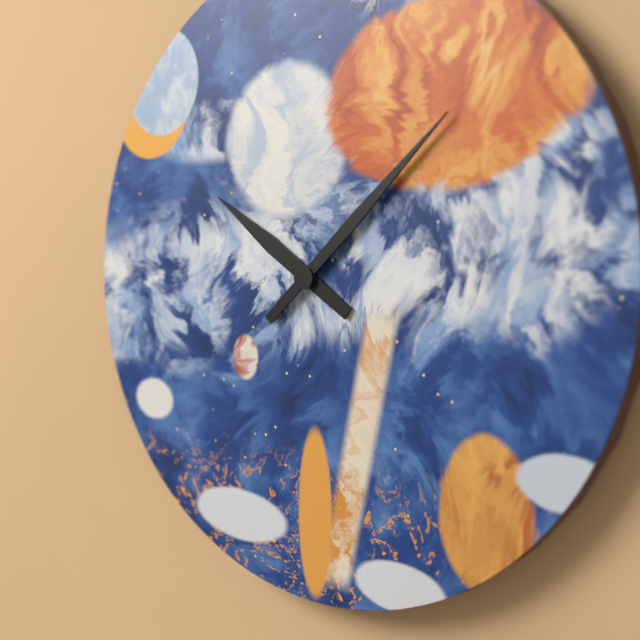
10.08
